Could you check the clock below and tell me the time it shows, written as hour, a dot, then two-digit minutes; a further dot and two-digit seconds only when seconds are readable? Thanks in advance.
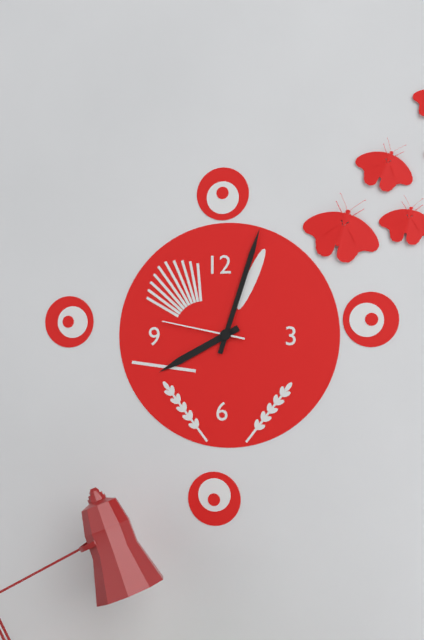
8.03.47
